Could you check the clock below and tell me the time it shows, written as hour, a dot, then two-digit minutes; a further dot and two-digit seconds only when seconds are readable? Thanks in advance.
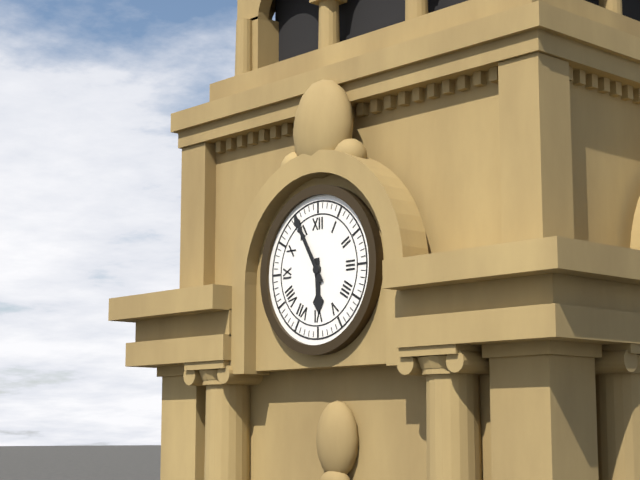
5.55
